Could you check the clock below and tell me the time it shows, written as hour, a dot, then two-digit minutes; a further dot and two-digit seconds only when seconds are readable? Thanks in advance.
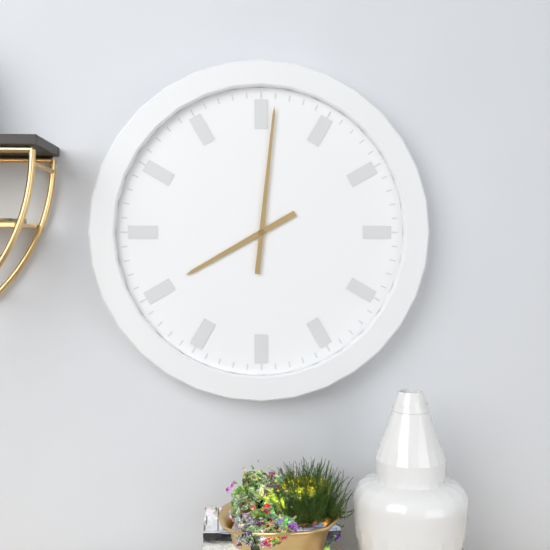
8.01
